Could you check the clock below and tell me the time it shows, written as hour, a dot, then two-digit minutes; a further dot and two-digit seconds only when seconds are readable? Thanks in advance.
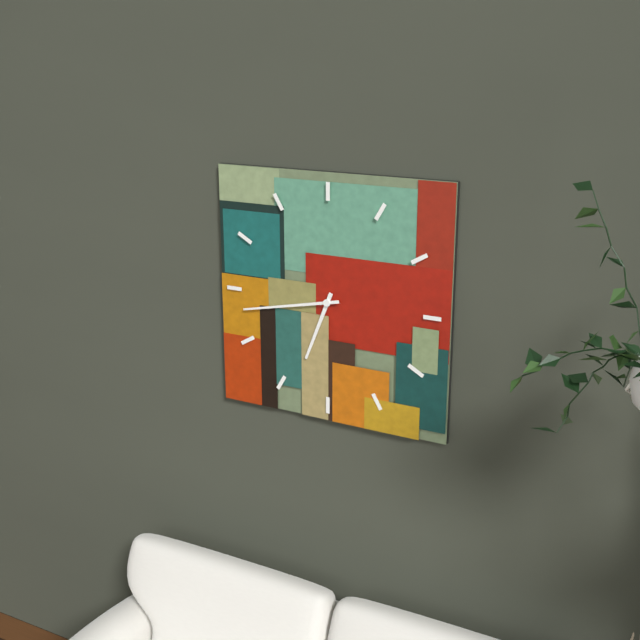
6.43
